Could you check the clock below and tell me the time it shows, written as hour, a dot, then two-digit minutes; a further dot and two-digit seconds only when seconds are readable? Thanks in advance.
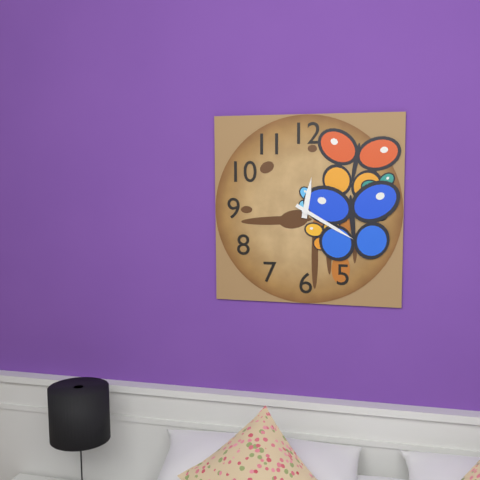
12.20
